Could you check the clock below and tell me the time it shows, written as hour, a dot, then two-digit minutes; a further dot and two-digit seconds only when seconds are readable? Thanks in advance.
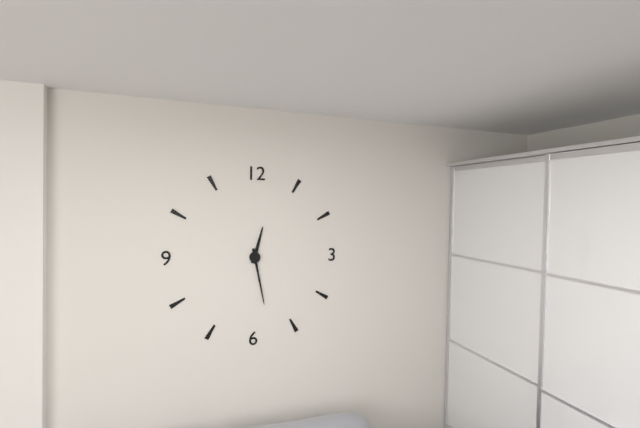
12.28
